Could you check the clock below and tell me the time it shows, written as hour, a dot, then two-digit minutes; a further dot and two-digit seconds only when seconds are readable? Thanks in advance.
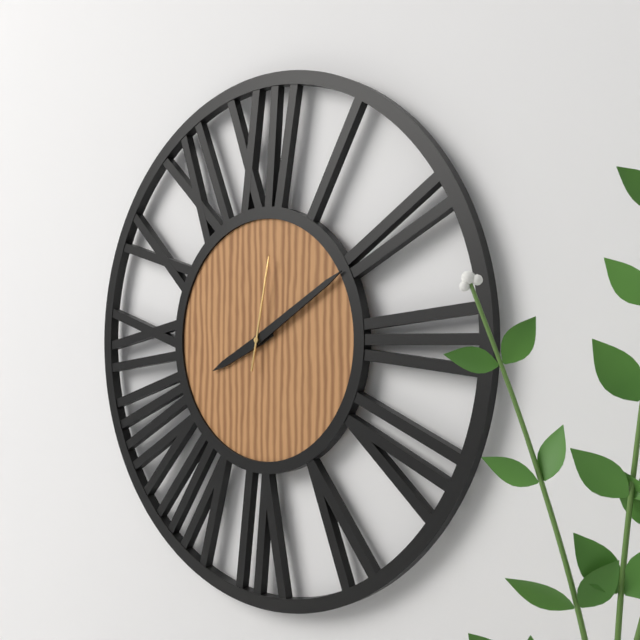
8.10.02
